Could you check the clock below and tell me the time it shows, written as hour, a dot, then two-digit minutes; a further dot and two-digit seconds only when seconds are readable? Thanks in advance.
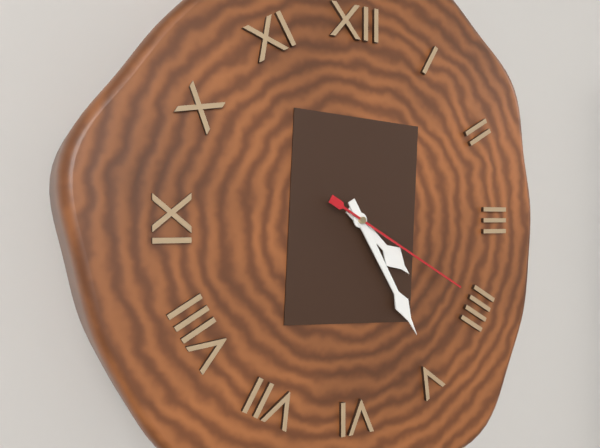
4.25.20
